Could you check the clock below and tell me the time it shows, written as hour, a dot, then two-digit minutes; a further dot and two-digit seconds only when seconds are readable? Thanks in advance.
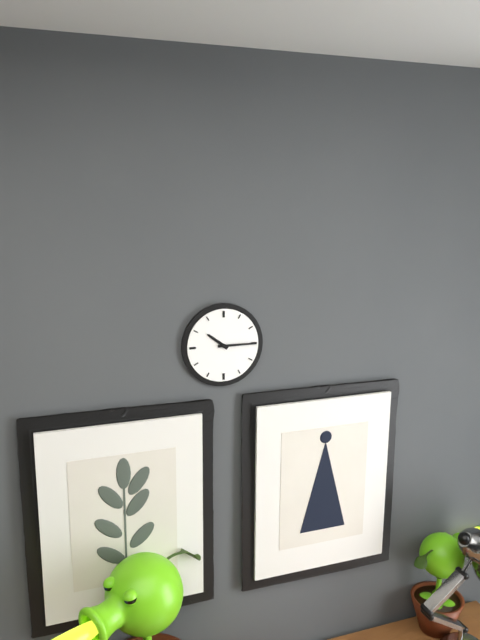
10.15
